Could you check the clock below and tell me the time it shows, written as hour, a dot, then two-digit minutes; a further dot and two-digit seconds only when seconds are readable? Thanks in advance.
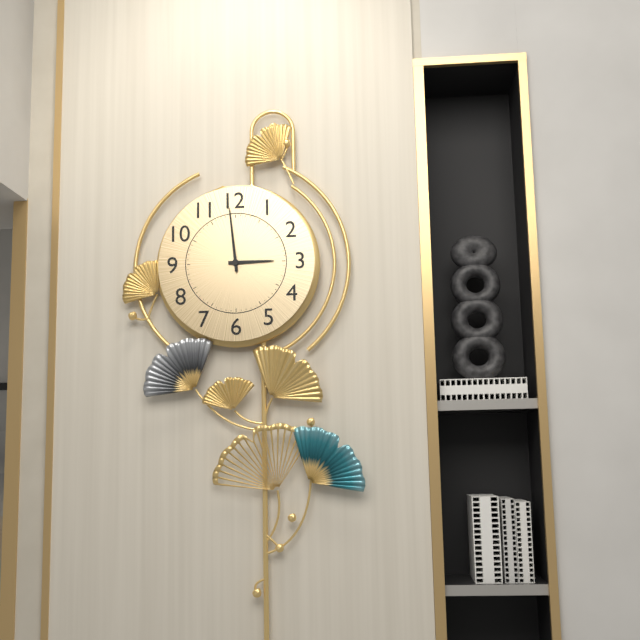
2.59
